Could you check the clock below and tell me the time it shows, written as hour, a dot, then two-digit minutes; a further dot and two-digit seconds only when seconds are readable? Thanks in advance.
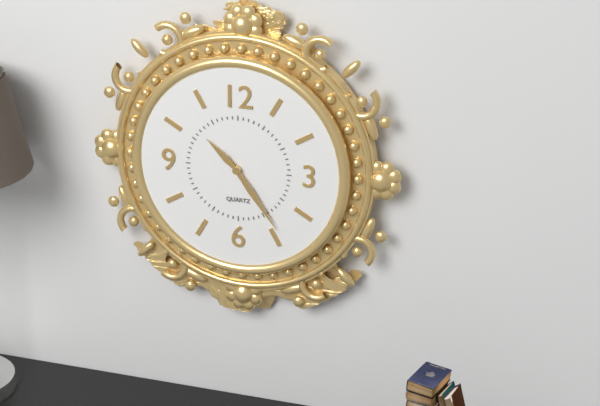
10.24
